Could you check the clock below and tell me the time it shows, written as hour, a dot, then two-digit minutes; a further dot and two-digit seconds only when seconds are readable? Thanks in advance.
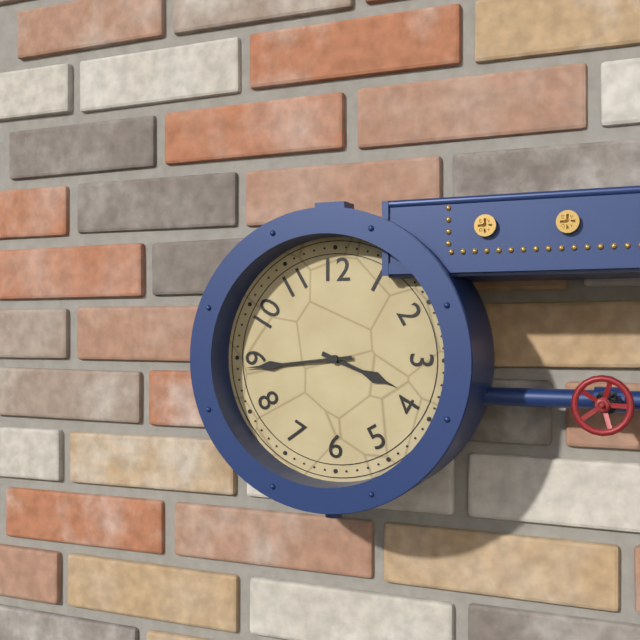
3.44
